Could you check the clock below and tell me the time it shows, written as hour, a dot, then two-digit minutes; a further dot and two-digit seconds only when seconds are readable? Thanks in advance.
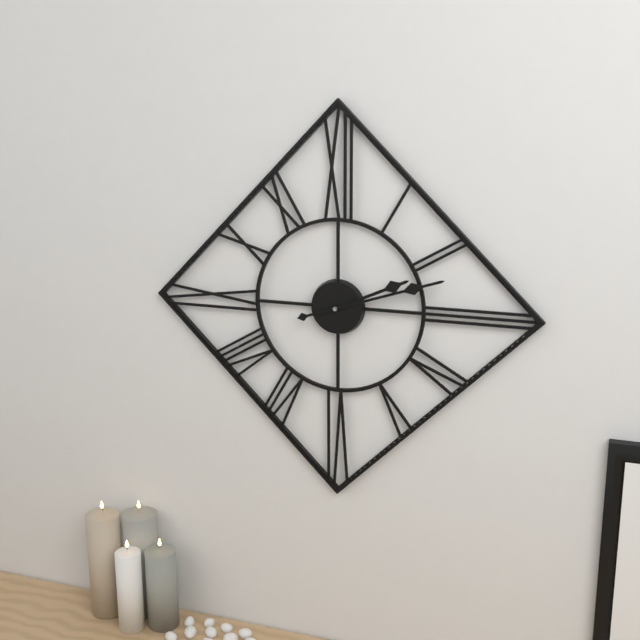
2.12
